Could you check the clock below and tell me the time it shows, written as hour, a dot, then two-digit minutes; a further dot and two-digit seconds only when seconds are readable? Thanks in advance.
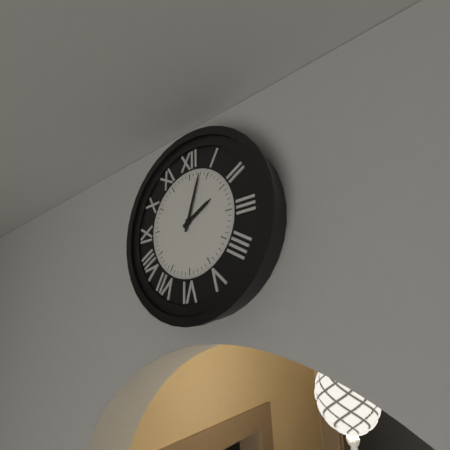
2.03
